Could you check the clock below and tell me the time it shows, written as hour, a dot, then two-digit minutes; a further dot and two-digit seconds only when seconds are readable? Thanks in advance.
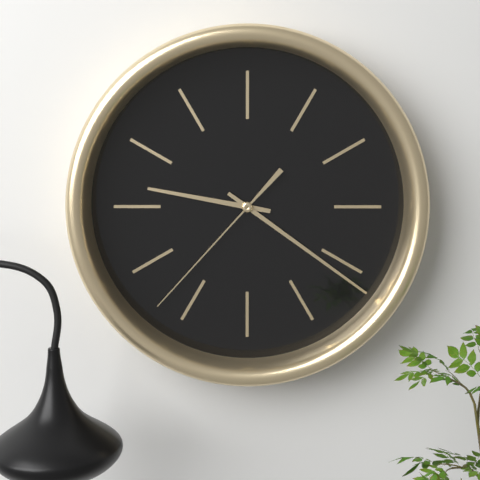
9.21.37
